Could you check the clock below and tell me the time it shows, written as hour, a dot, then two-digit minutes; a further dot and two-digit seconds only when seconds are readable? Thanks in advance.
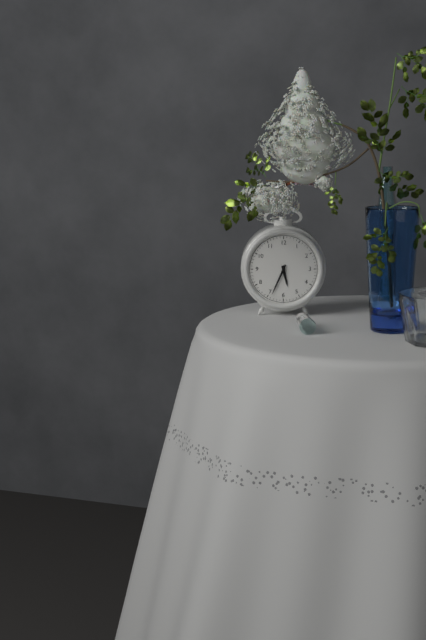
5.34
